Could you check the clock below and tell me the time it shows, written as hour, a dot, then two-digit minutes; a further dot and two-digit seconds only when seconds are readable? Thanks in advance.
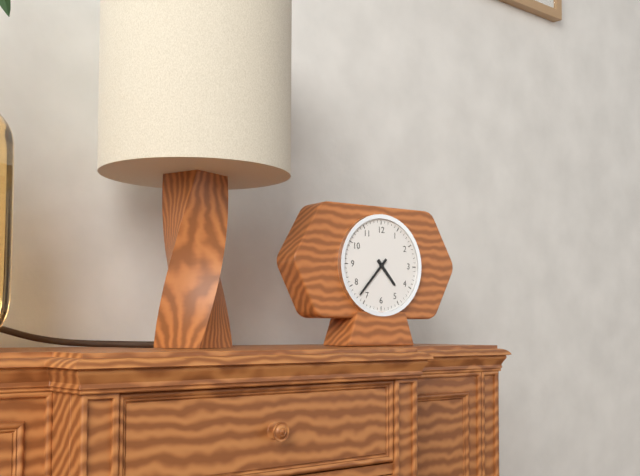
4.37
